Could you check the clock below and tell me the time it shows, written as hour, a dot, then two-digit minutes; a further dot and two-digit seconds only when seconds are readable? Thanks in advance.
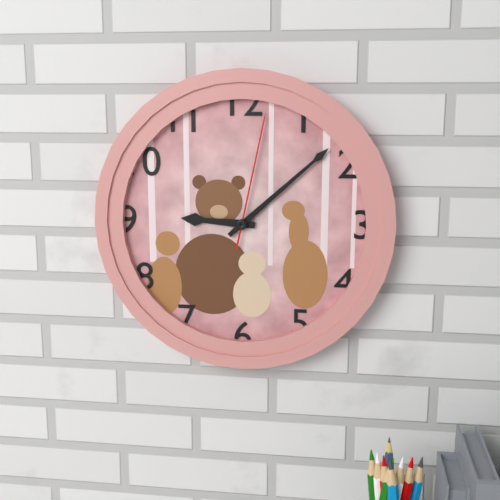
9.08.02
